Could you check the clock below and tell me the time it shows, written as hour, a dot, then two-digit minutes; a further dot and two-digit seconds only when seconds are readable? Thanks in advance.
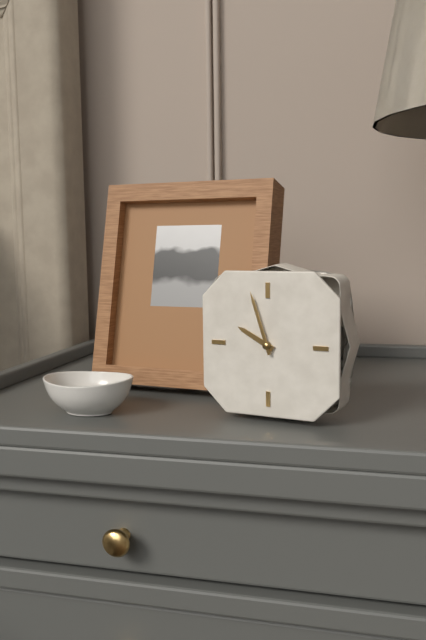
9.57
